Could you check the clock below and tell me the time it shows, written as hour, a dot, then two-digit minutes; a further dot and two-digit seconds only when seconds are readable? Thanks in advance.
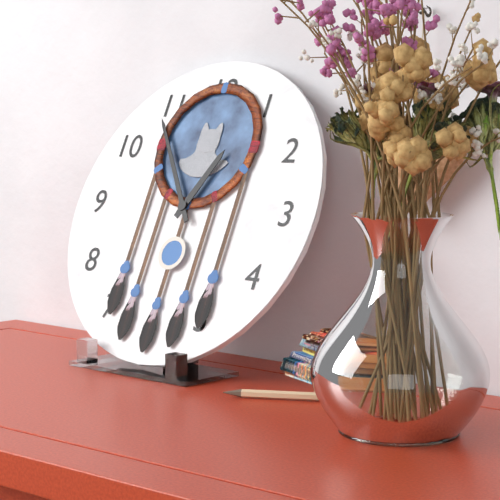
12.54
